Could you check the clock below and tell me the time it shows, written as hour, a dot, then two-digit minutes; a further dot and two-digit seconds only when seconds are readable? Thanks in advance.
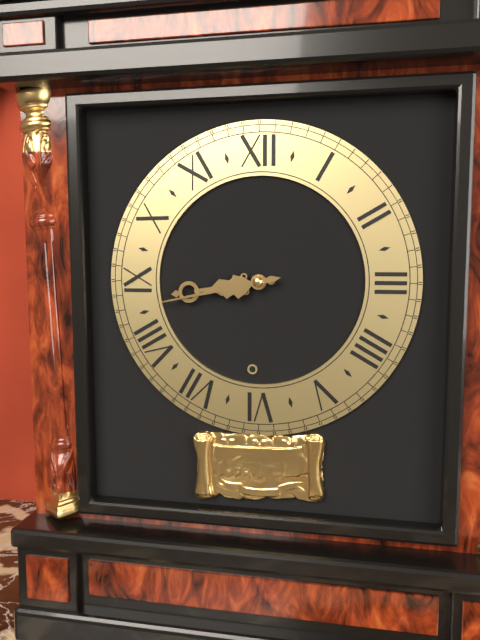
8.43
